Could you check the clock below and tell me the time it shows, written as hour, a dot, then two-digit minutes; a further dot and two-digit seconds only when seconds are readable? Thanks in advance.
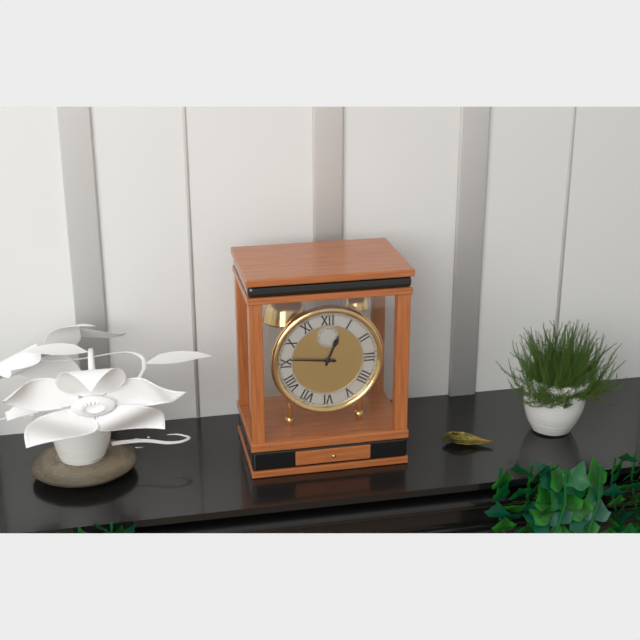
12.46
